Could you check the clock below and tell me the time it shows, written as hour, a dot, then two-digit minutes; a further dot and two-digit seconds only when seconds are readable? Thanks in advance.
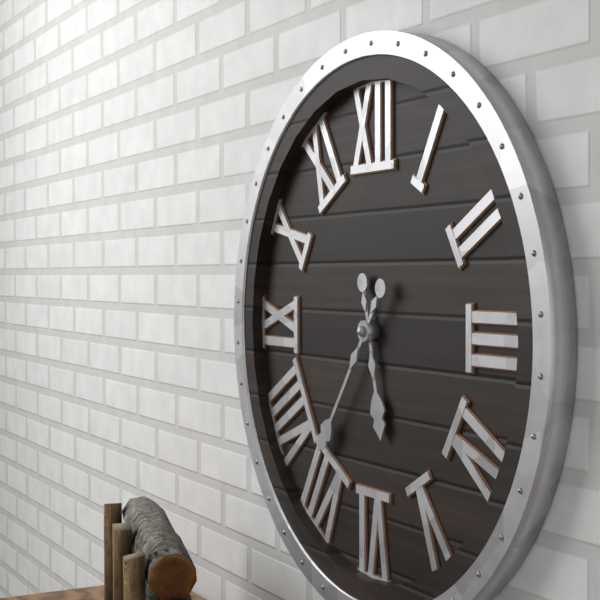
5.36
